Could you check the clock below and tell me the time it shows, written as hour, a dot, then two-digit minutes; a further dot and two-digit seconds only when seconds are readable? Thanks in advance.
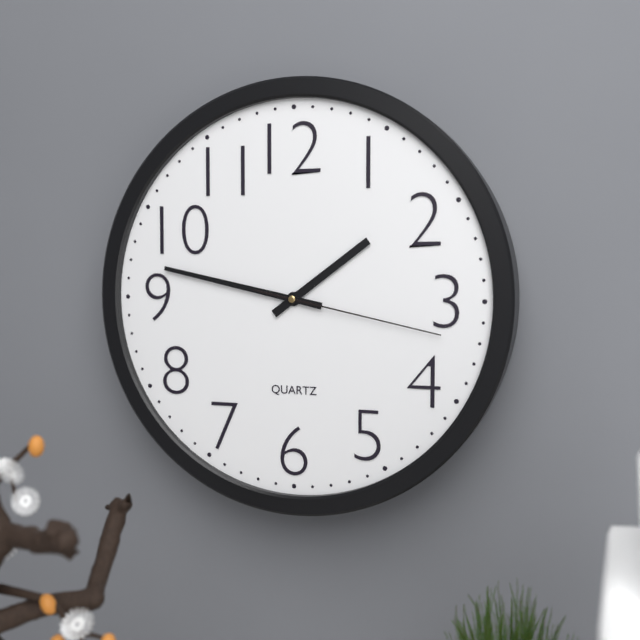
1.47.17
